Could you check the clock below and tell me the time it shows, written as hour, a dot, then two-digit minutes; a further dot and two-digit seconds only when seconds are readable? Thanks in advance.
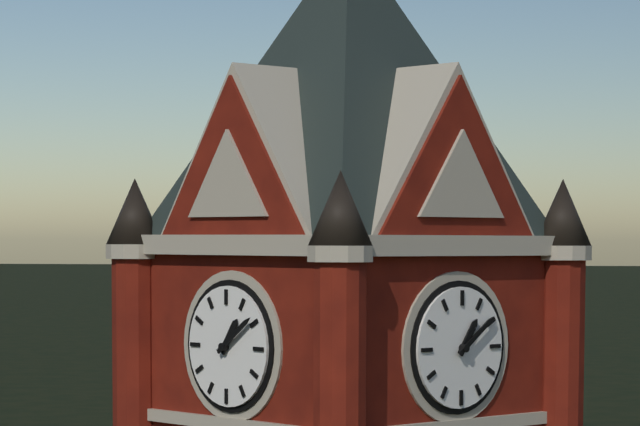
1.09
